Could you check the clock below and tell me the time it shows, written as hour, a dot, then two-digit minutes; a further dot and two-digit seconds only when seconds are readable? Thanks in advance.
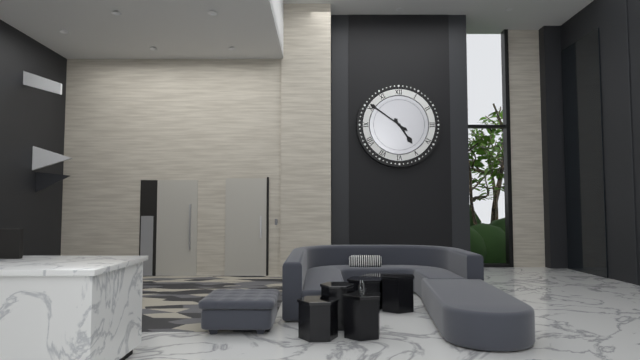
4.51
